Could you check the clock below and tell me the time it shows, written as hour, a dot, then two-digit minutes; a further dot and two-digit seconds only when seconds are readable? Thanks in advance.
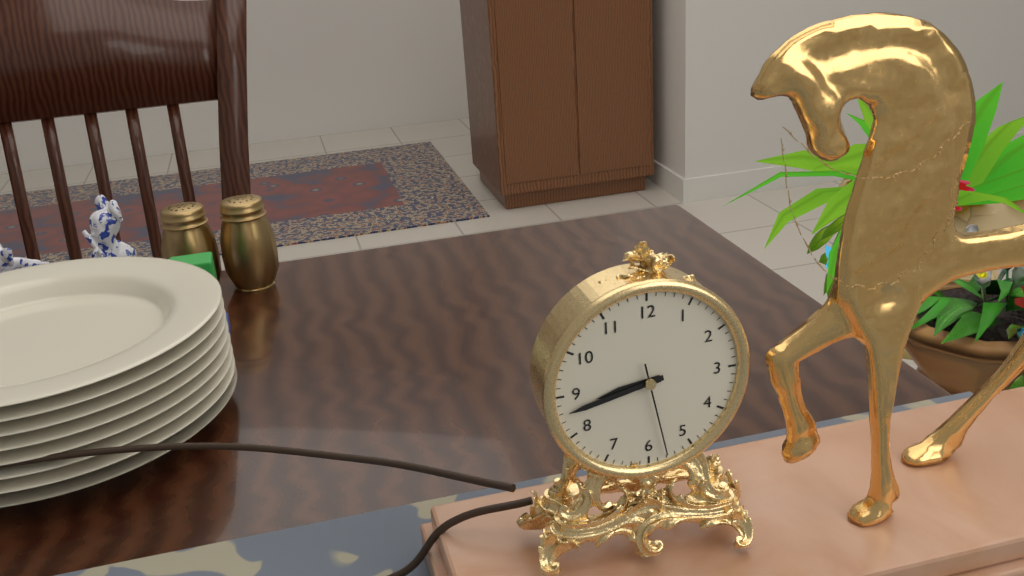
8.43.28
